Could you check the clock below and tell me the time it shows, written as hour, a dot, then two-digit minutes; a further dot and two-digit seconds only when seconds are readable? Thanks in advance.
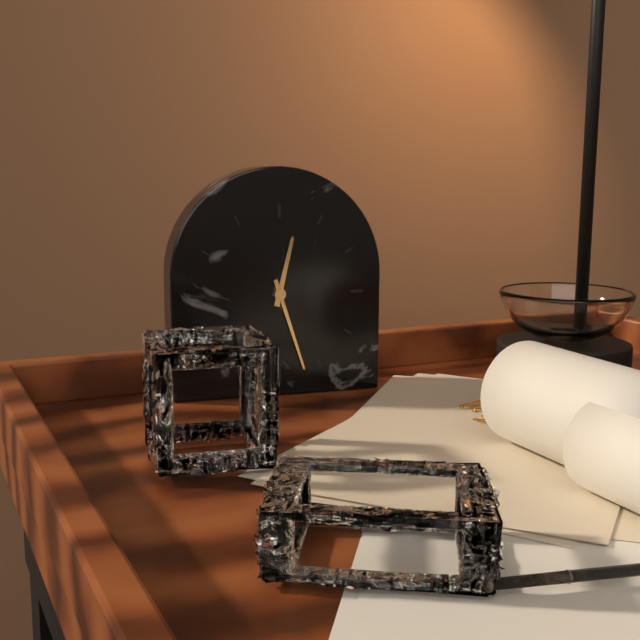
12.27
